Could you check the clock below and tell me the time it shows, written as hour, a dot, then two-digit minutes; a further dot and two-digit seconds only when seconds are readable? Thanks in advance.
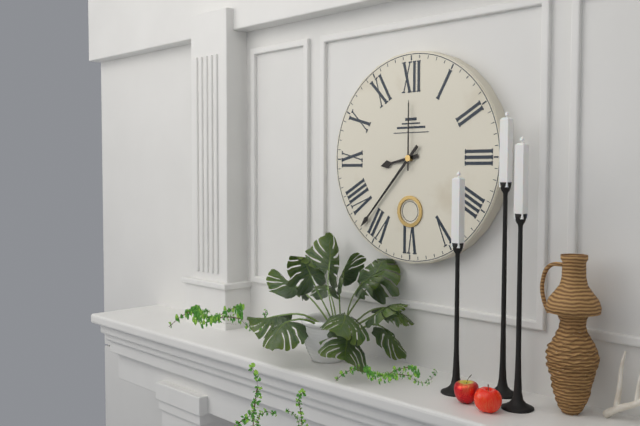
8.37.00
